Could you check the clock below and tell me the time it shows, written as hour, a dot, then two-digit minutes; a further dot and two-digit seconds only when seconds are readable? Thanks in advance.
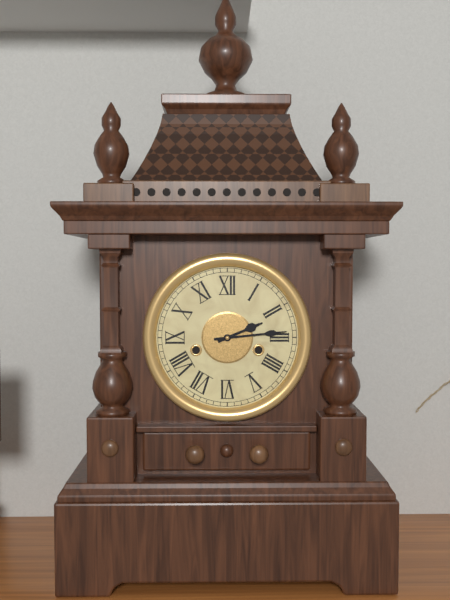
2.14
